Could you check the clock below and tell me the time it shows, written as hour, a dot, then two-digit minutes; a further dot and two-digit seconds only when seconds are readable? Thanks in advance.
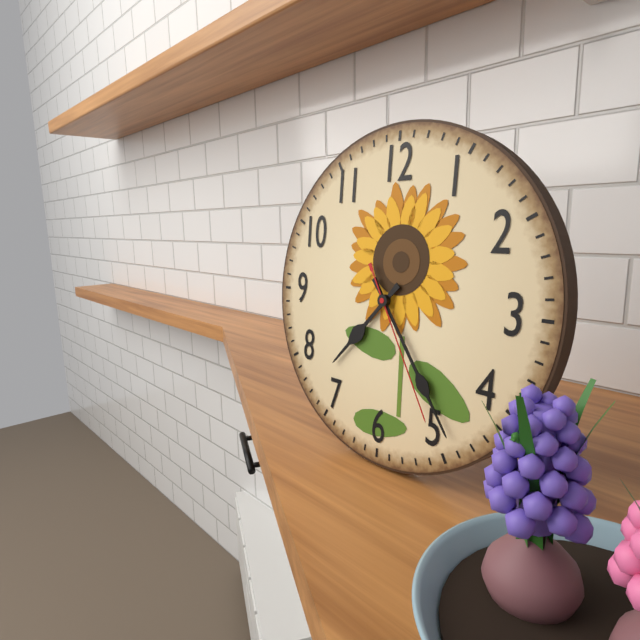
7.24.25
